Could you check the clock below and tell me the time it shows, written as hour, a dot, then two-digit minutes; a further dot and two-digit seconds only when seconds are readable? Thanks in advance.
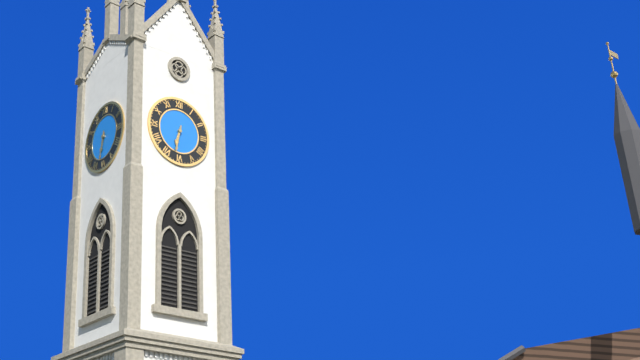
6.32
